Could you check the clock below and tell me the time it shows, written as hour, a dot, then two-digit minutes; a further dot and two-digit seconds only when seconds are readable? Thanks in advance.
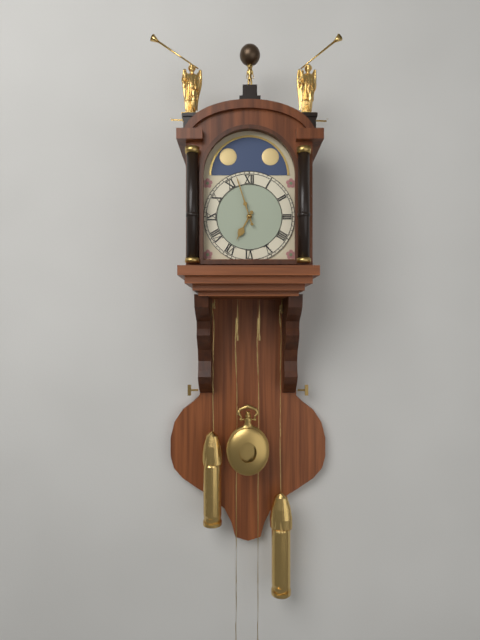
6.57
